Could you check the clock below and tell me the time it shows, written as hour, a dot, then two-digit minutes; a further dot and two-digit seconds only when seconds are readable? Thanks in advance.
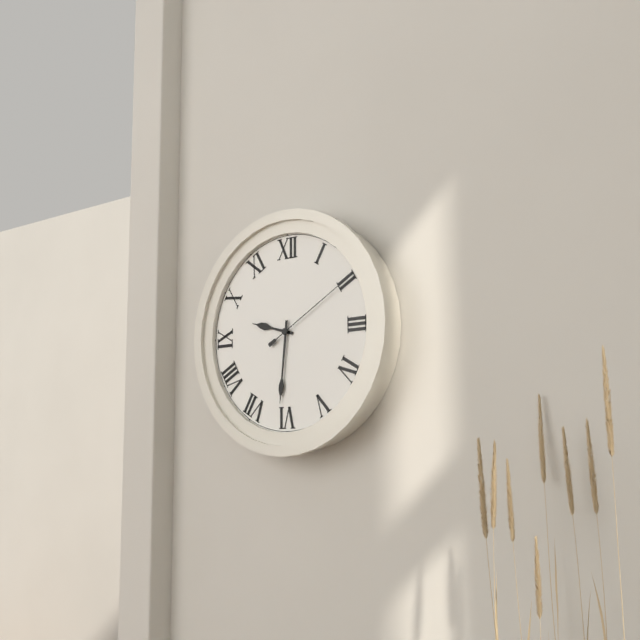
9.31.10
